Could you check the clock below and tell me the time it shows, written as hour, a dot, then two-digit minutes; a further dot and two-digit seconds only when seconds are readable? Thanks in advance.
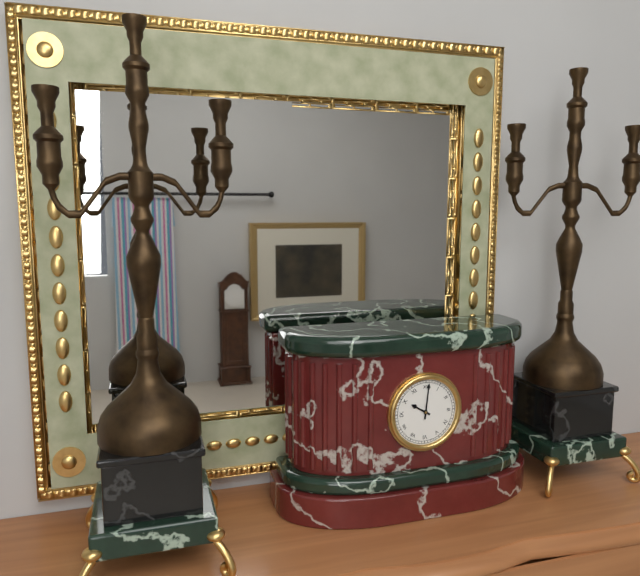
10.01
